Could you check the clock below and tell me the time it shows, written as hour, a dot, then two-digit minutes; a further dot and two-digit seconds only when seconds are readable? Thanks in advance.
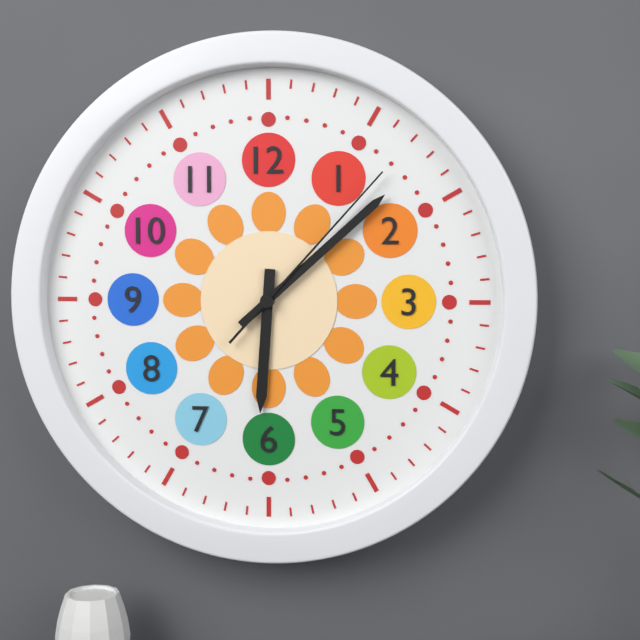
6.08.07
